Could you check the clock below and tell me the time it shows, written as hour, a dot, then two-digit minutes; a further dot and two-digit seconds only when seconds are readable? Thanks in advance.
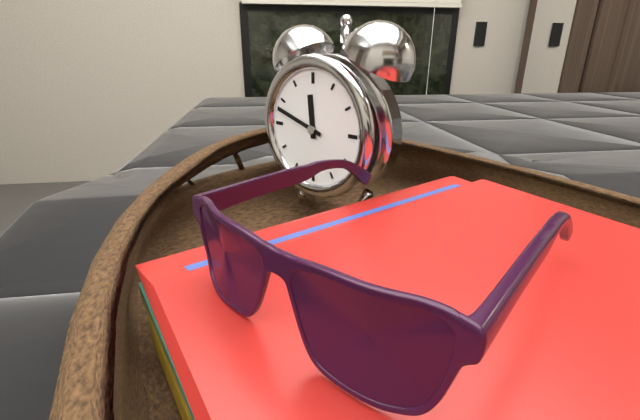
11.48
